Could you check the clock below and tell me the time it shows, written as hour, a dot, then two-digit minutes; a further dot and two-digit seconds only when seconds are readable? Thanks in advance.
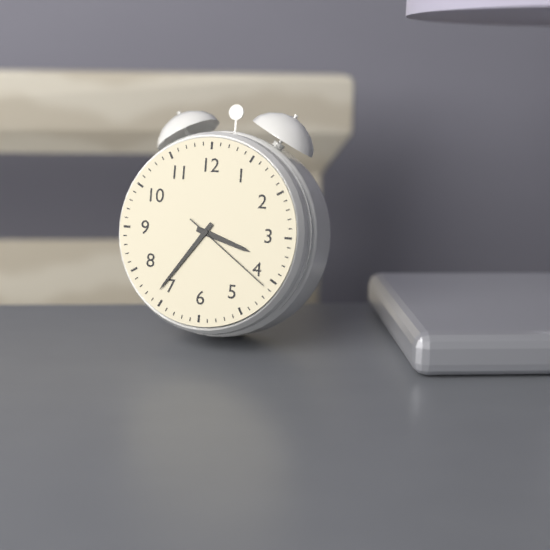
3.36.21
